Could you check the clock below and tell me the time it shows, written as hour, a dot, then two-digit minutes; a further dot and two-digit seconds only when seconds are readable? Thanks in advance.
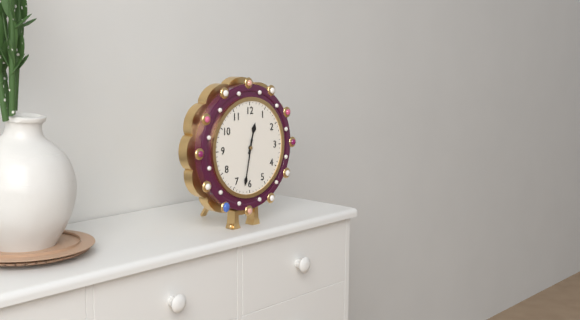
12.32
